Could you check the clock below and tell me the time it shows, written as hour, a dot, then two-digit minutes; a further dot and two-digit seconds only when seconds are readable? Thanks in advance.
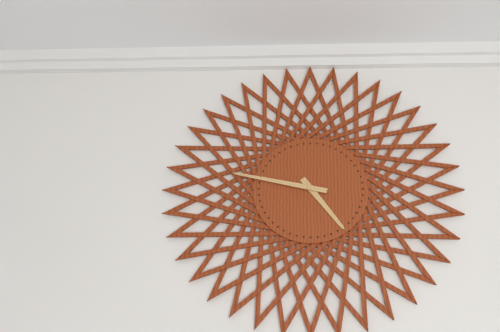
4.47
